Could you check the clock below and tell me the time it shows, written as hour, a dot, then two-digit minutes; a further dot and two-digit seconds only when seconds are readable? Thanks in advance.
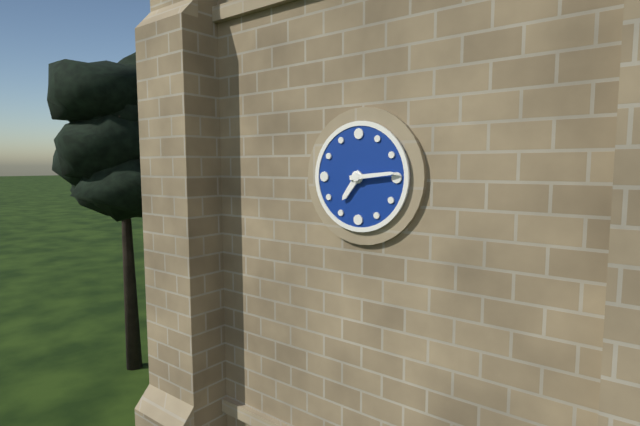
7.14
